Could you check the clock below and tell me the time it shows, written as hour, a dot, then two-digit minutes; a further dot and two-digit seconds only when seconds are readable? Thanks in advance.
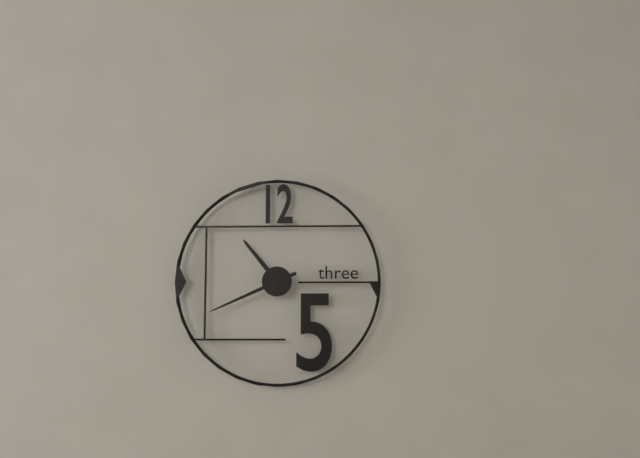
10.41
